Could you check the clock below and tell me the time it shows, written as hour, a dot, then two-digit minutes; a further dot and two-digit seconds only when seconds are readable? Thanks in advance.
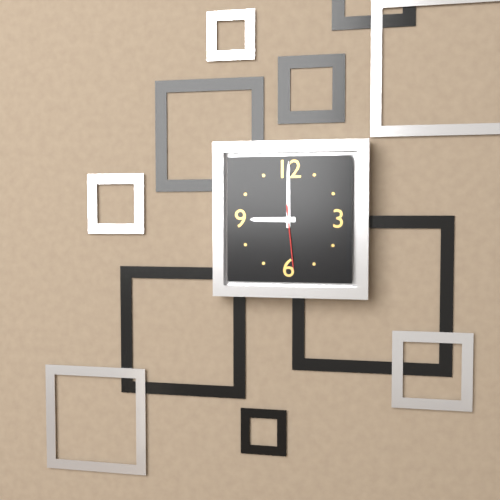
9.00.29
